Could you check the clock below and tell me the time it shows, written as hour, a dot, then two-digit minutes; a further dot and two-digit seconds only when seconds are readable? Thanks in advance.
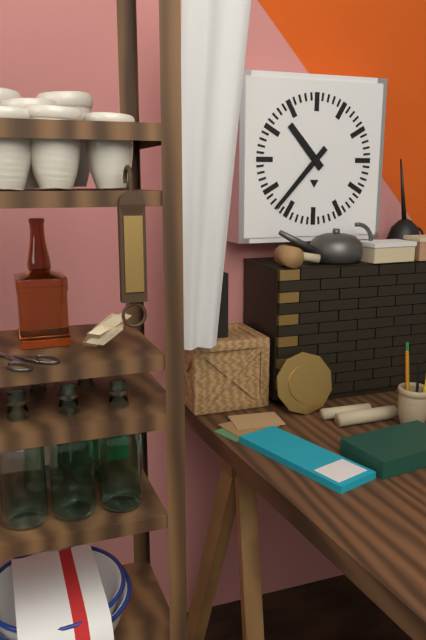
10.37
